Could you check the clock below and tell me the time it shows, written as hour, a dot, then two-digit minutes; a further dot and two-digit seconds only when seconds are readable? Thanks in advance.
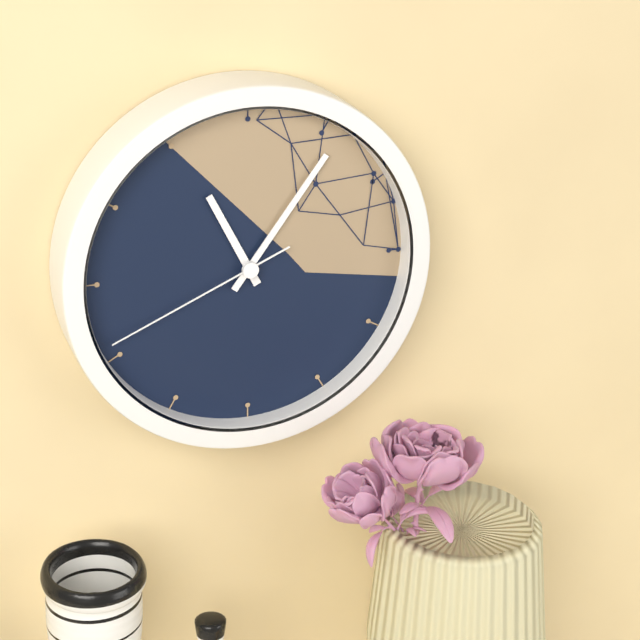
11.06.41
